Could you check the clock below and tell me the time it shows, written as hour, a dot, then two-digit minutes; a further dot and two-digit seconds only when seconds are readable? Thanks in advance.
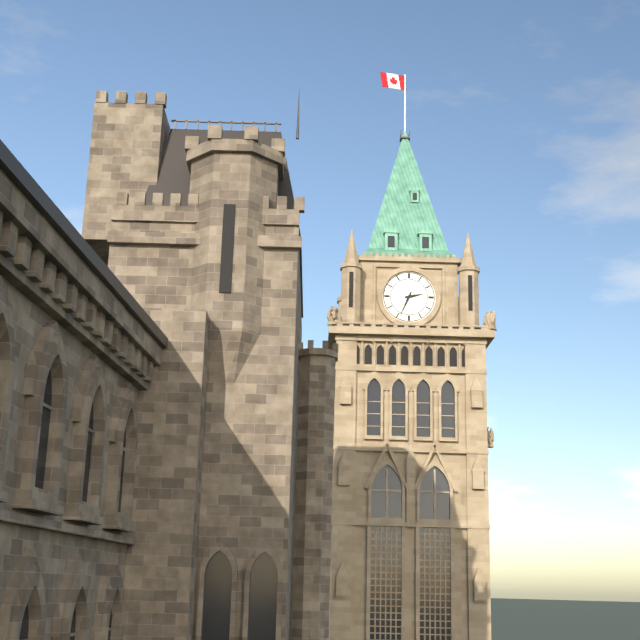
2.34
